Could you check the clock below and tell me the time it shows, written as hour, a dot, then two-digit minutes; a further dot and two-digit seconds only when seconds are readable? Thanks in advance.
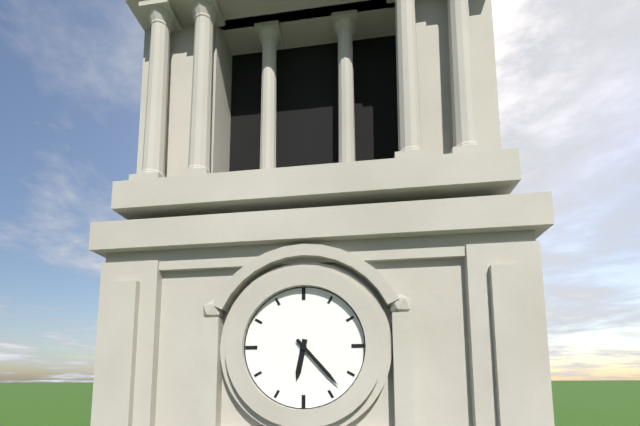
6.23
